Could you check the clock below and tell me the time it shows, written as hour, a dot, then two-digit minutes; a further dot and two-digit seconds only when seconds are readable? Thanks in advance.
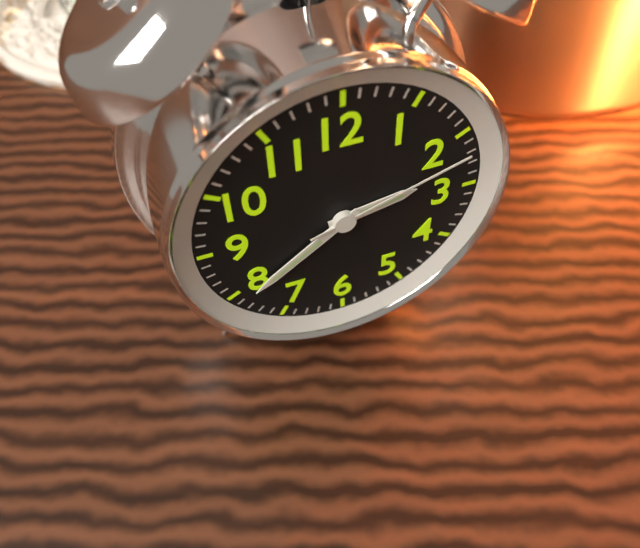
2.39.12
